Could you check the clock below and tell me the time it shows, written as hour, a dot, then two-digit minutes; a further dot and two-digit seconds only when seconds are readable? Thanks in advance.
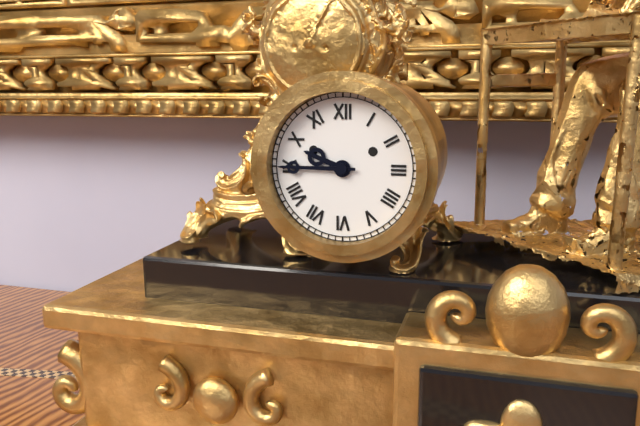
9.45
